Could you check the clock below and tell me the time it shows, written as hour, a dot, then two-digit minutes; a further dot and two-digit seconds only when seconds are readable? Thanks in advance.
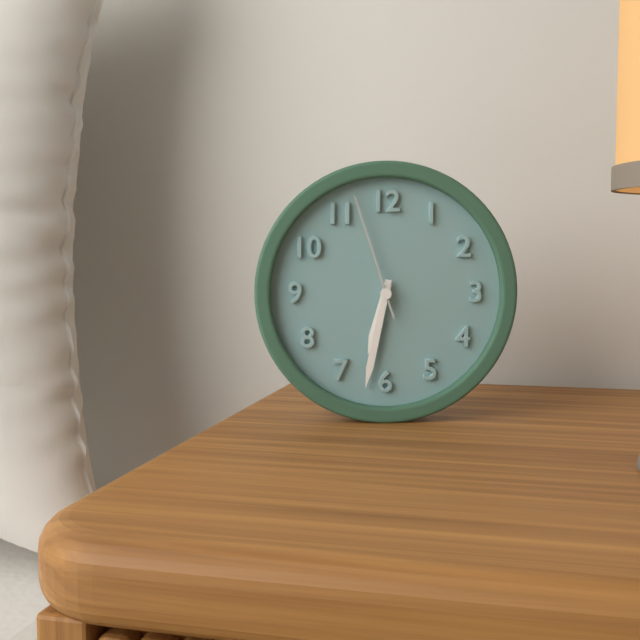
6.32.57
